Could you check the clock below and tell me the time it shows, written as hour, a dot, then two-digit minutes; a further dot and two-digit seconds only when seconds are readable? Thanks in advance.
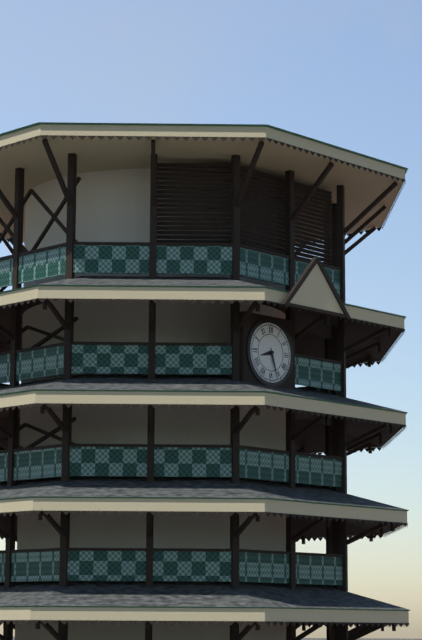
8.27
